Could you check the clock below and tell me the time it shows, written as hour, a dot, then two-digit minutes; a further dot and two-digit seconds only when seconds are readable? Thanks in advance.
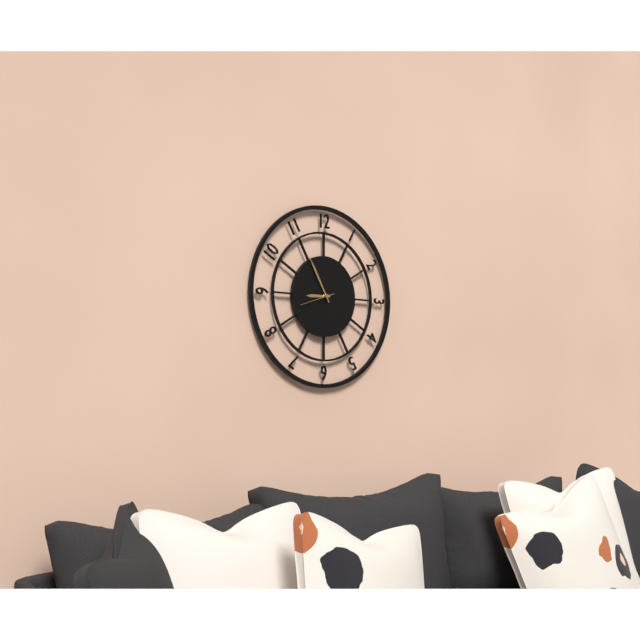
8.55
